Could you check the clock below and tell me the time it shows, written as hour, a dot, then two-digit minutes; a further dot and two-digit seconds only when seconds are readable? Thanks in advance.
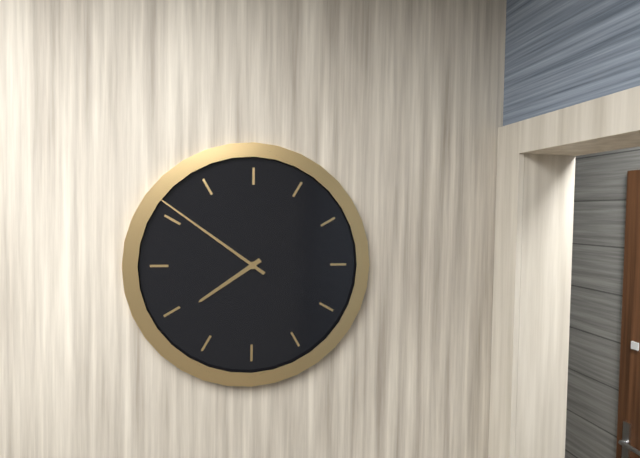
7.51
